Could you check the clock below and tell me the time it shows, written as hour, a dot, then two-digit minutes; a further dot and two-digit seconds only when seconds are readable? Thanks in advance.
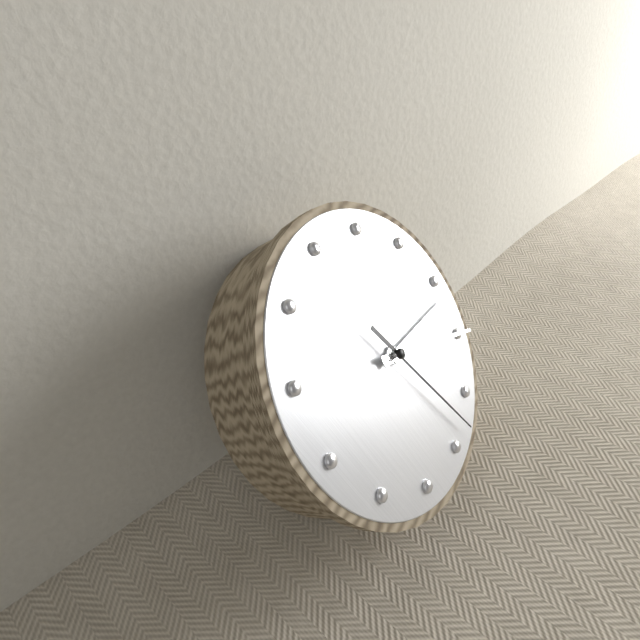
3.20.28
